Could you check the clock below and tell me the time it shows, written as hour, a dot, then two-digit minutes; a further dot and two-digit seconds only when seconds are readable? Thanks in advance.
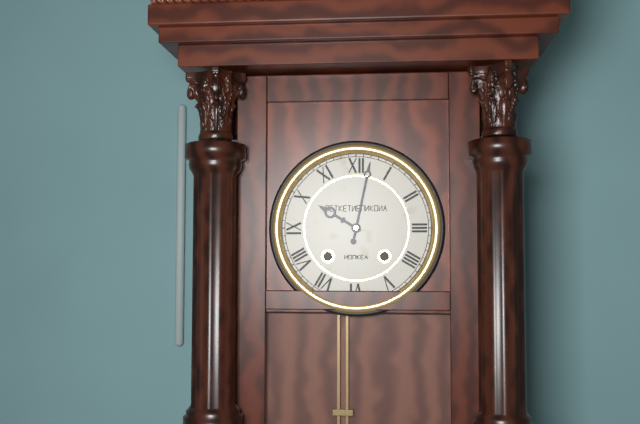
10.02
